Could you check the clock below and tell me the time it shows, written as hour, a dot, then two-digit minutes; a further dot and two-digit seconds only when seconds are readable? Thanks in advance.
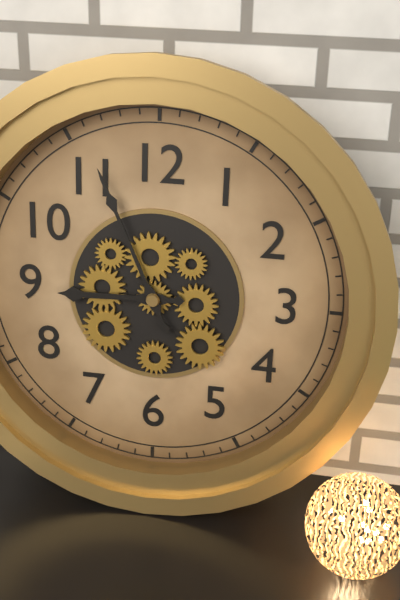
8.56
